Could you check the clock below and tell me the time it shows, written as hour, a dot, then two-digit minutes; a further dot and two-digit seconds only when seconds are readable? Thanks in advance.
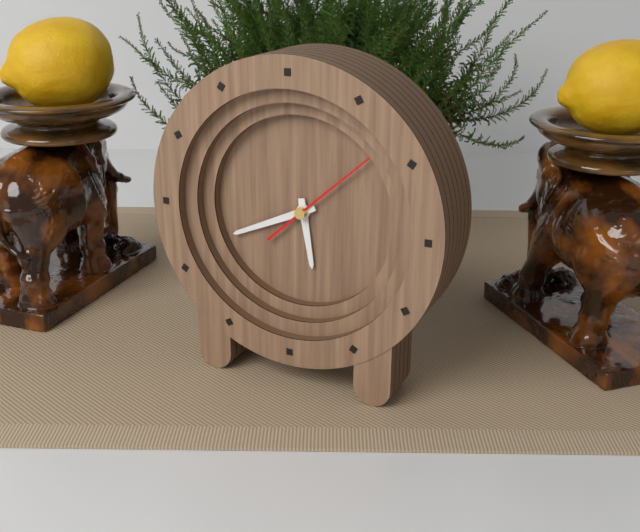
5.41.08
